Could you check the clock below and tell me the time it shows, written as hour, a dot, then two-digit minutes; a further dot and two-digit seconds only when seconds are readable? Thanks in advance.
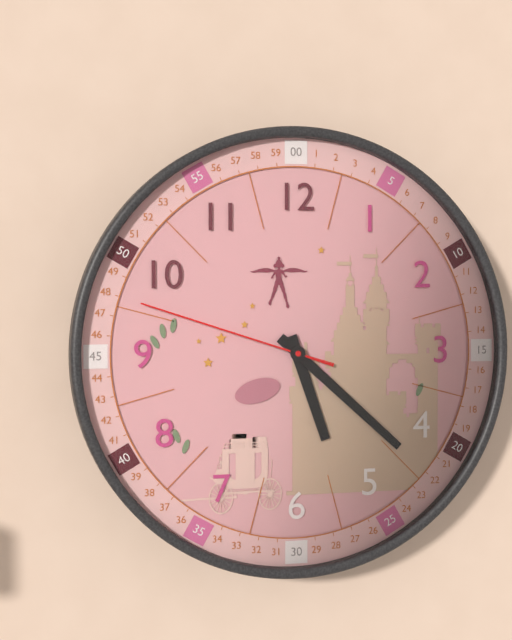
5.22.48
